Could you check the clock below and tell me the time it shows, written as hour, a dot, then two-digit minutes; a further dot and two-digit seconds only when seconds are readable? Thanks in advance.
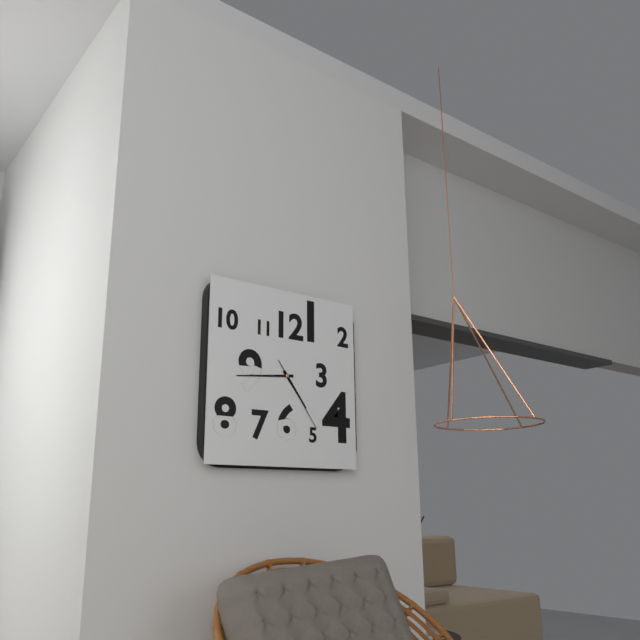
4.44.24
